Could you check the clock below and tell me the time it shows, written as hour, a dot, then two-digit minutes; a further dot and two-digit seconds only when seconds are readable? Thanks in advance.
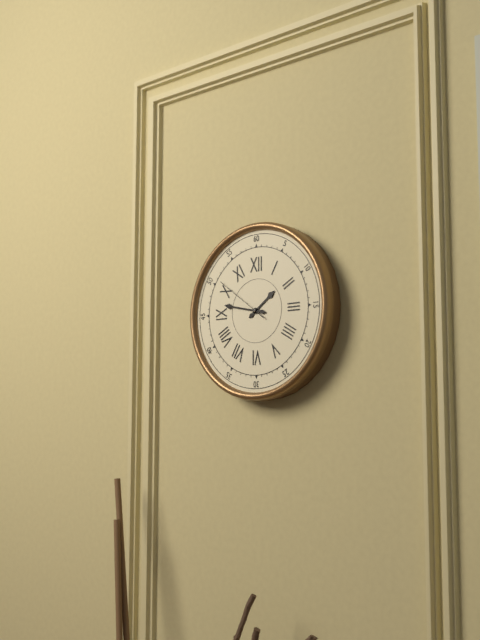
1.47.51
